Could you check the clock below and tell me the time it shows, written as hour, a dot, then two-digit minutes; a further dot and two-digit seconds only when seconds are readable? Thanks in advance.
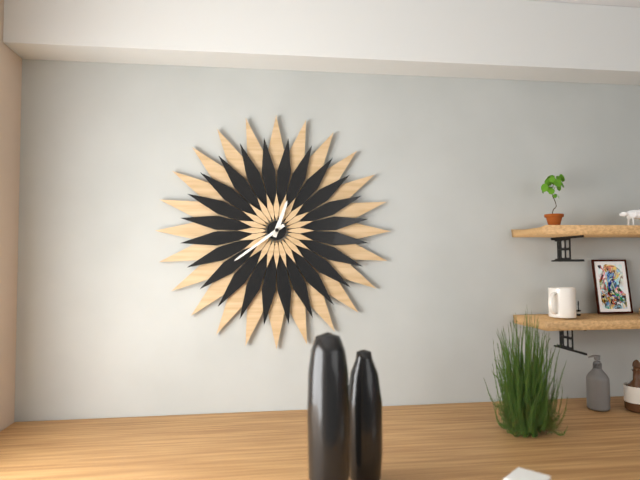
12.39
